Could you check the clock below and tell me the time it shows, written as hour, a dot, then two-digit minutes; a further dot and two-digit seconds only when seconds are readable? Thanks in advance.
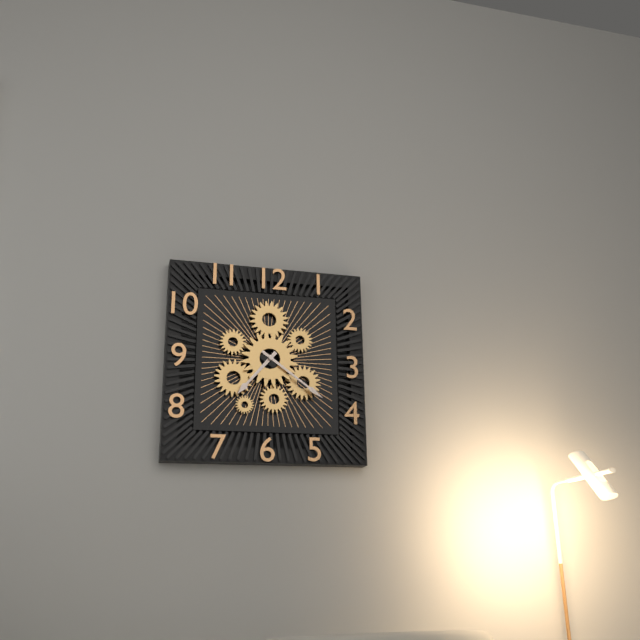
7.21
